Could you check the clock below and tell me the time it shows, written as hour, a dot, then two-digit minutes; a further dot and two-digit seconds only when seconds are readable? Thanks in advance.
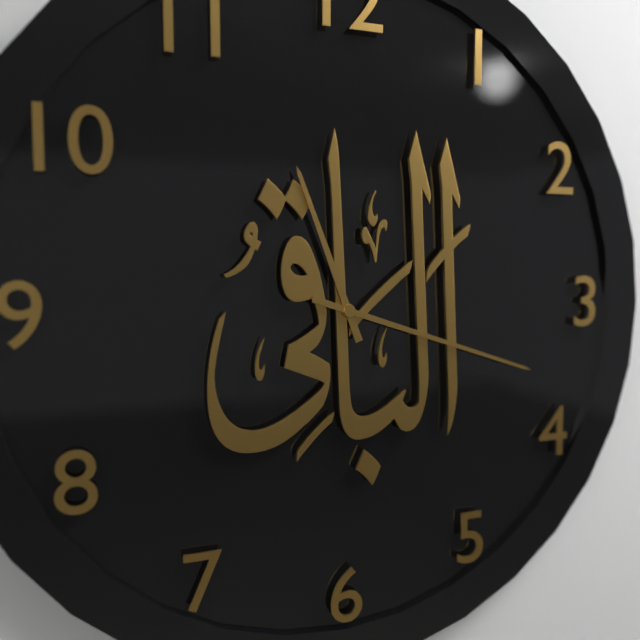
11.18
